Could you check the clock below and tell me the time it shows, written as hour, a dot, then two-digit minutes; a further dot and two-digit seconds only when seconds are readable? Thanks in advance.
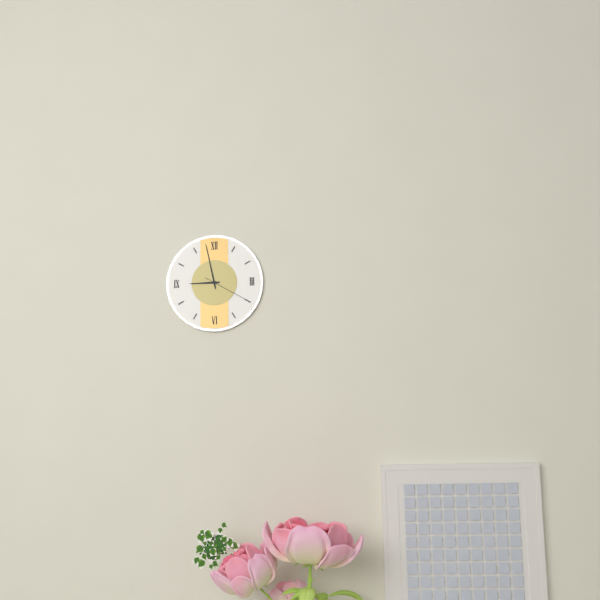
8.58.20
